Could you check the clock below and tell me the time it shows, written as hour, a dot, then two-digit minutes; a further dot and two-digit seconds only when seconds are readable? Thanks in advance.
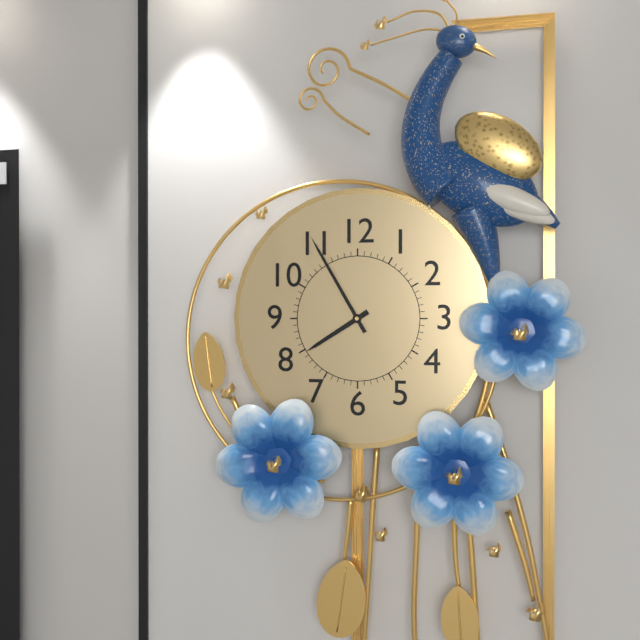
7.55
